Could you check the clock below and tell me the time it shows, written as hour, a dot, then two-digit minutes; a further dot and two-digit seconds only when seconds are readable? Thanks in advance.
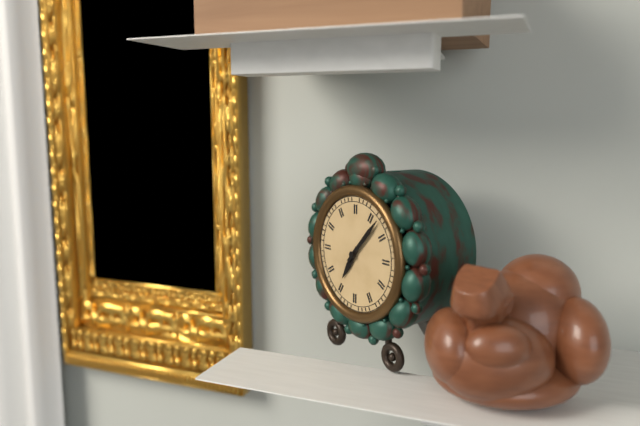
7.07
